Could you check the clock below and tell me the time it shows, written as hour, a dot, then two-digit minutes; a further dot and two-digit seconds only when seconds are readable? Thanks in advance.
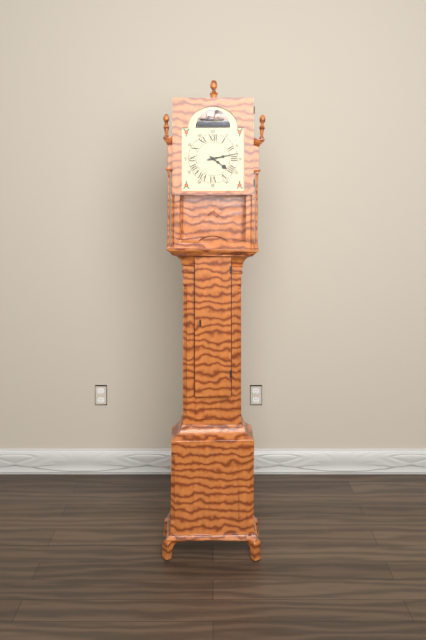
4.13
